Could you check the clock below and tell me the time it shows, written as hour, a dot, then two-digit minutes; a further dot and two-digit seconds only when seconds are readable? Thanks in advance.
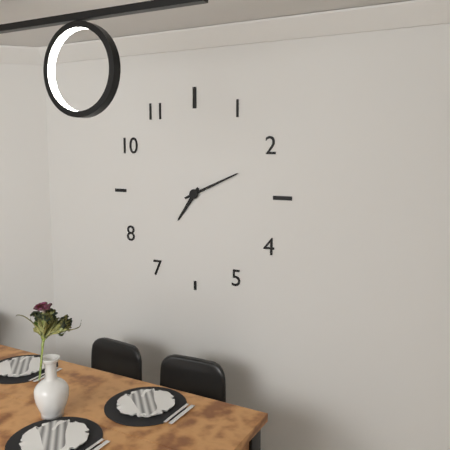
7.11
